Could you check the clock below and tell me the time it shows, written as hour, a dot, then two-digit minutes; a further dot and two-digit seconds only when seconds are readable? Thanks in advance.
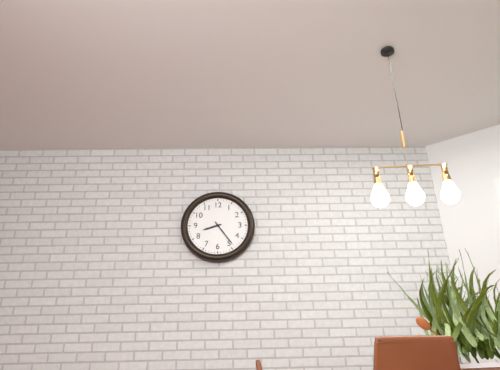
8.24
